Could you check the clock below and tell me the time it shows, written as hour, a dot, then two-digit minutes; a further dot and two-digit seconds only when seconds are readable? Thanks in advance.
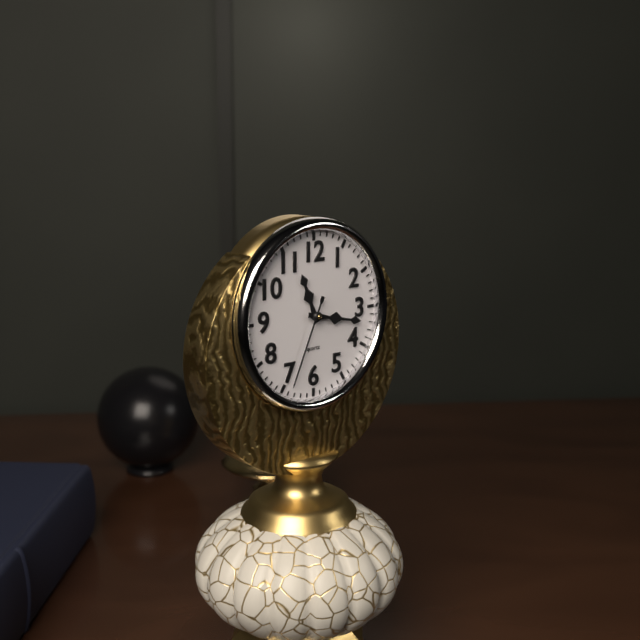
11.17.34
